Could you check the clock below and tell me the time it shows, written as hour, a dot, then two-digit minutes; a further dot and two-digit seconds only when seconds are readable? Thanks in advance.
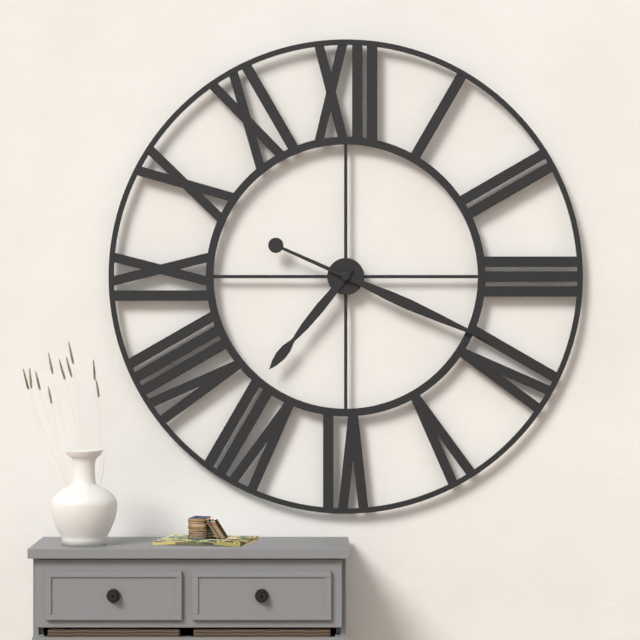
7.19
